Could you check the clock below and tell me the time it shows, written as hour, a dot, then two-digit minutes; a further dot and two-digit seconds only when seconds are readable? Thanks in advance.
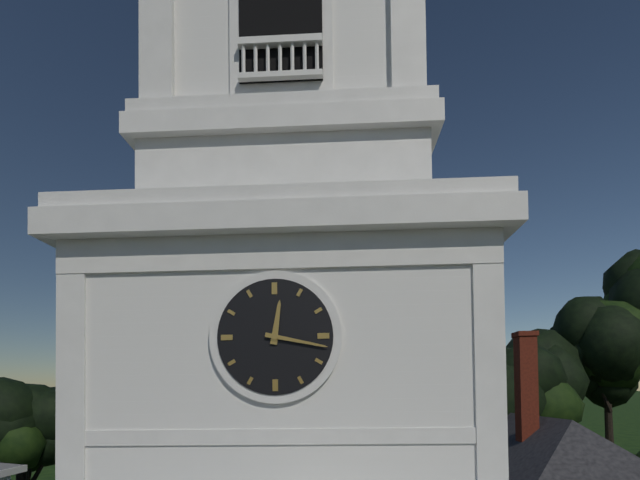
12.17
